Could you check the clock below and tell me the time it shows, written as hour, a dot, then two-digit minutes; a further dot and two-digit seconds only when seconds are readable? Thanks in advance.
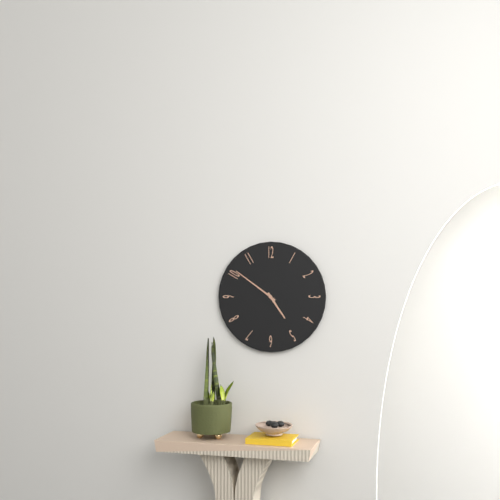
4.51
